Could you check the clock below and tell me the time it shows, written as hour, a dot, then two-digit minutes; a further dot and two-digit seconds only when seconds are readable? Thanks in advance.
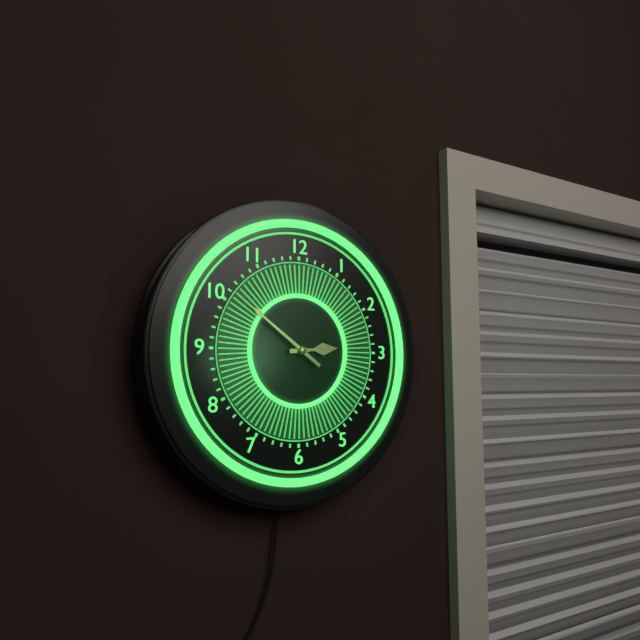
2.51
